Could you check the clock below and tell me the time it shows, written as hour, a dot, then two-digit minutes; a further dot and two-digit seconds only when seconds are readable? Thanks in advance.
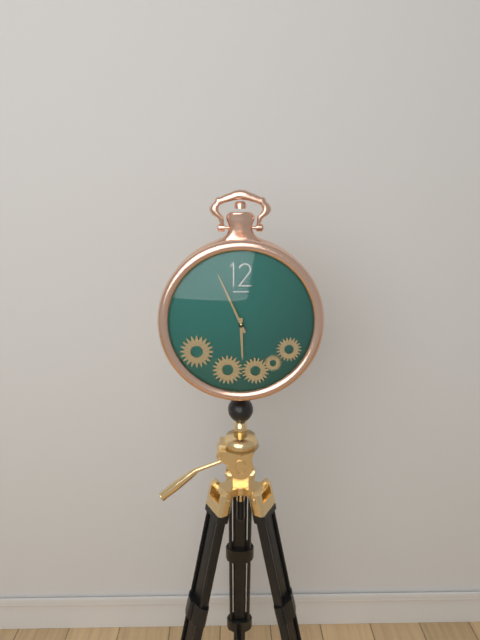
5.56
